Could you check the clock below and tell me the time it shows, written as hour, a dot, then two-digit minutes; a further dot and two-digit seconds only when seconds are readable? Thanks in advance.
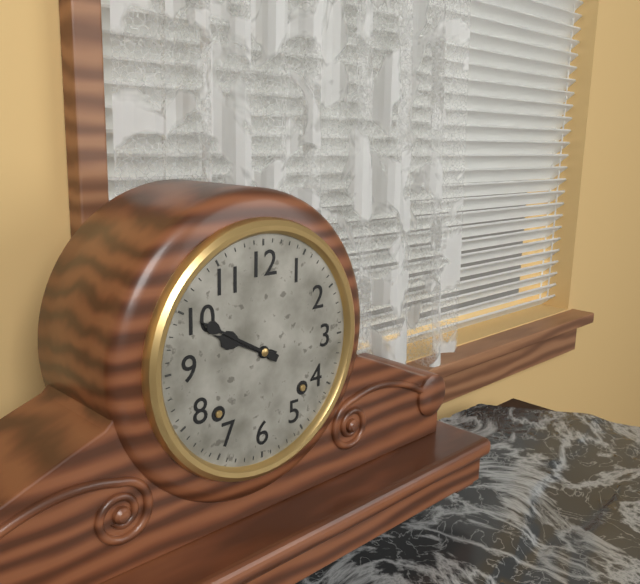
9.50
